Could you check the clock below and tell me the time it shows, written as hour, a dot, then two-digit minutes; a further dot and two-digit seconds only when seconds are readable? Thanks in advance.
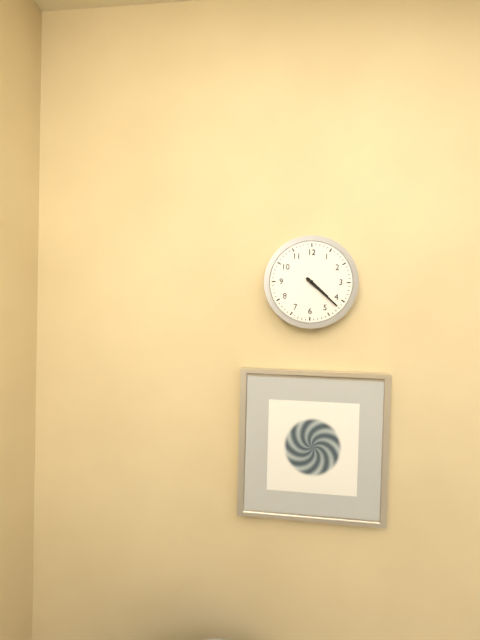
4.22
